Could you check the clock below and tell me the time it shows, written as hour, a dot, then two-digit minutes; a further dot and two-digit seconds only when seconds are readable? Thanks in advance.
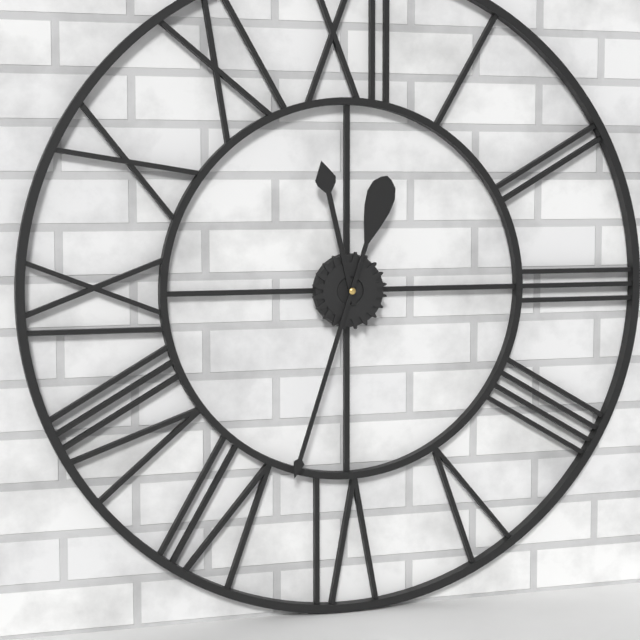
11.33
